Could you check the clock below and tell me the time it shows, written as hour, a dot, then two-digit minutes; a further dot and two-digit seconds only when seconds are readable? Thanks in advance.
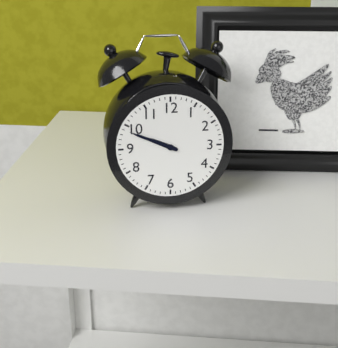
9.49
